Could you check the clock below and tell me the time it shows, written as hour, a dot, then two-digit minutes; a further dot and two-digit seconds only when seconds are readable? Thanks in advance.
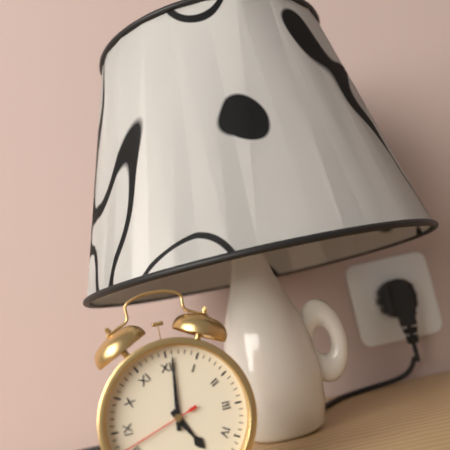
5.01
